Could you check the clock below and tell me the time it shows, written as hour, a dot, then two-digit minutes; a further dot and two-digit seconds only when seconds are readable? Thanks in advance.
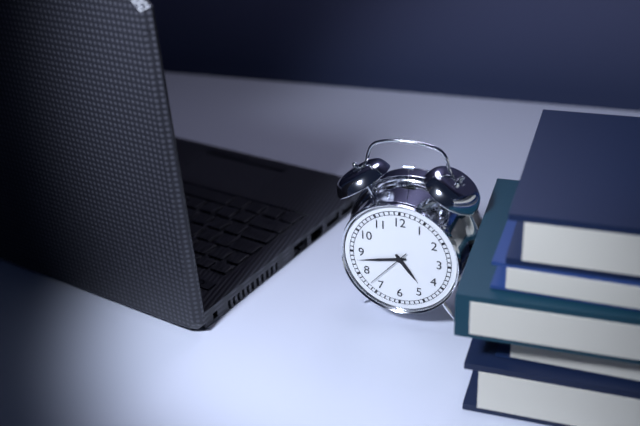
4.43
